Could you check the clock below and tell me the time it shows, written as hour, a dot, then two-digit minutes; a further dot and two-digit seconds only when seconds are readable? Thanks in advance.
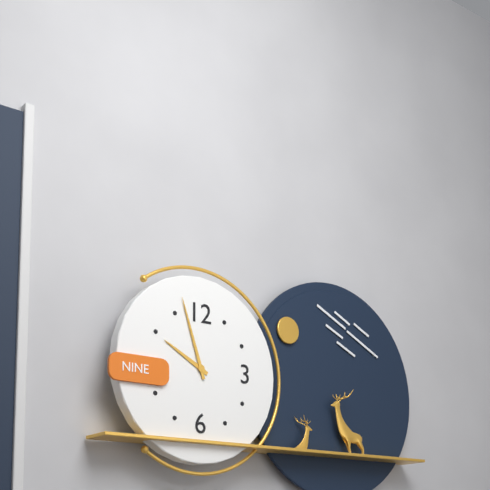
9.57
